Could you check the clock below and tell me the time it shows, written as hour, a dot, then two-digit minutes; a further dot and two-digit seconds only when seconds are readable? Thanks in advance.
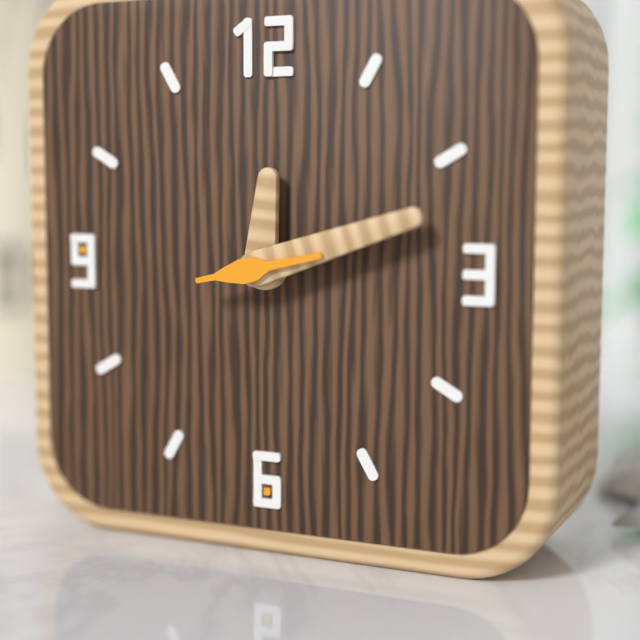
12.12.13
